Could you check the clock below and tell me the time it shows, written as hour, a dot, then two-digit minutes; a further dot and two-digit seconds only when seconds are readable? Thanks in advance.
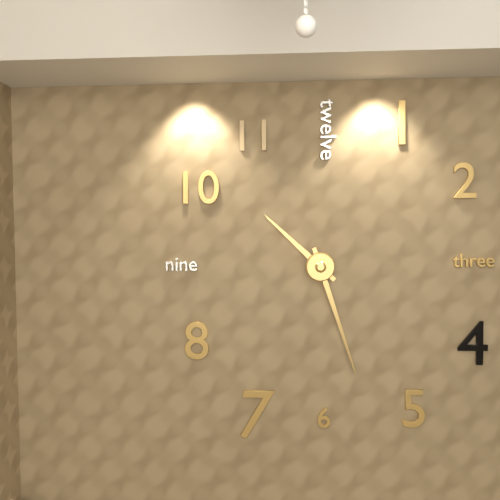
10.27
